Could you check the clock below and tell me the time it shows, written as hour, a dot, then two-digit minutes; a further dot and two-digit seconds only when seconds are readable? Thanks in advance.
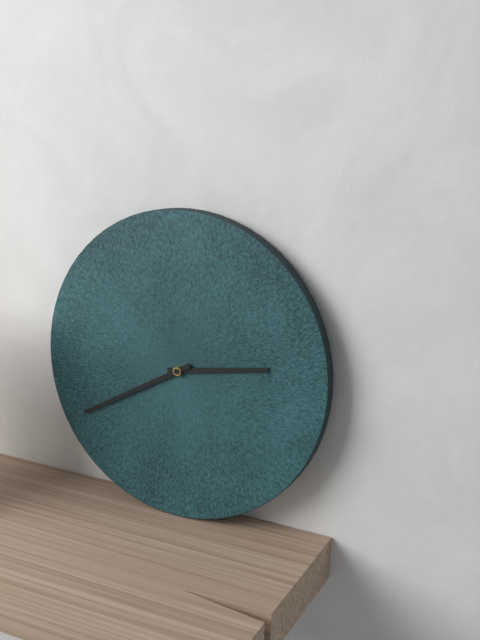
2.40
